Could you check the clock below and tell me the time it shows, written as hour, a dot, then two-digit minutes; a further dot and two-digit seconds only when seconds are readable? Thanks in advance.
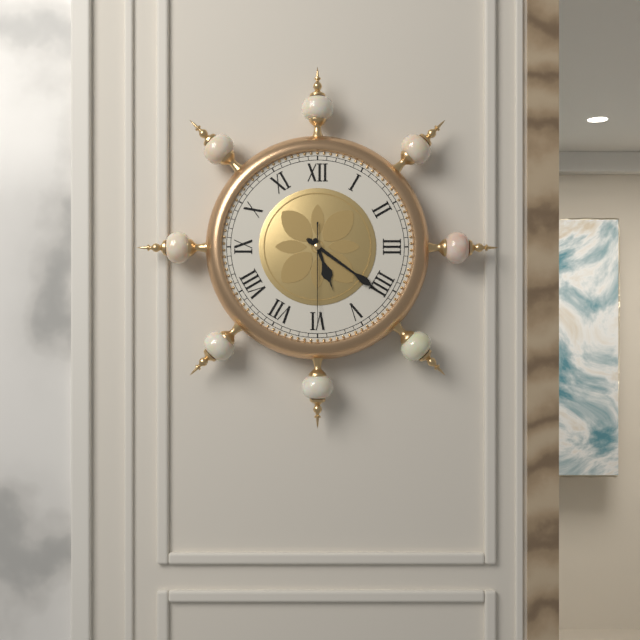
5.21.30
